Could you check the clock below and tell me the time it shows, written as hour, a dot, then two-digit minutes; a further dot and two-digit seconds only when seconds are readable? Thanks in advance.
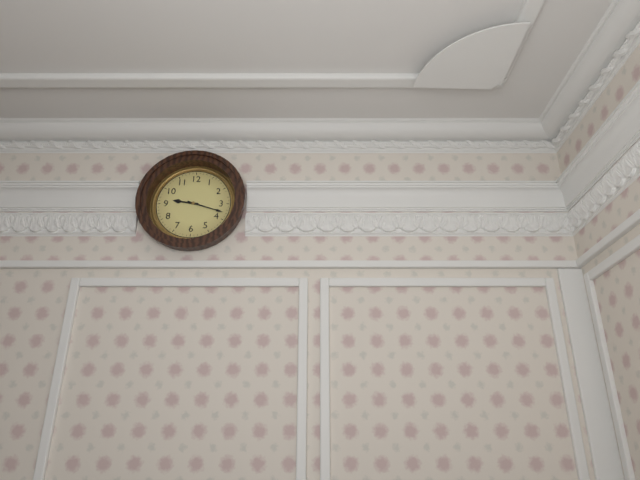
9.18
